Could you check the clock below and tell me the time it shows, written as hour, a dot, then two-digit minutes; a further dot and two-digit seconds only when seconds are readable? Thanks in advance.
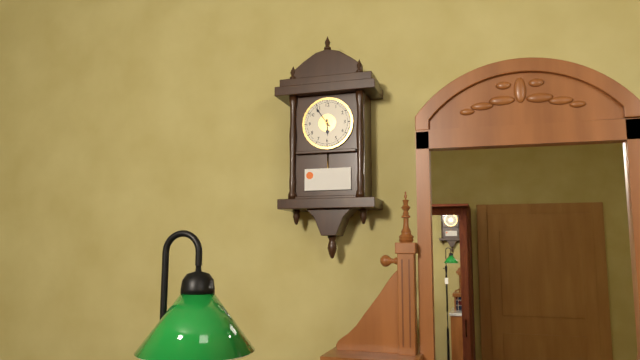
5.54
